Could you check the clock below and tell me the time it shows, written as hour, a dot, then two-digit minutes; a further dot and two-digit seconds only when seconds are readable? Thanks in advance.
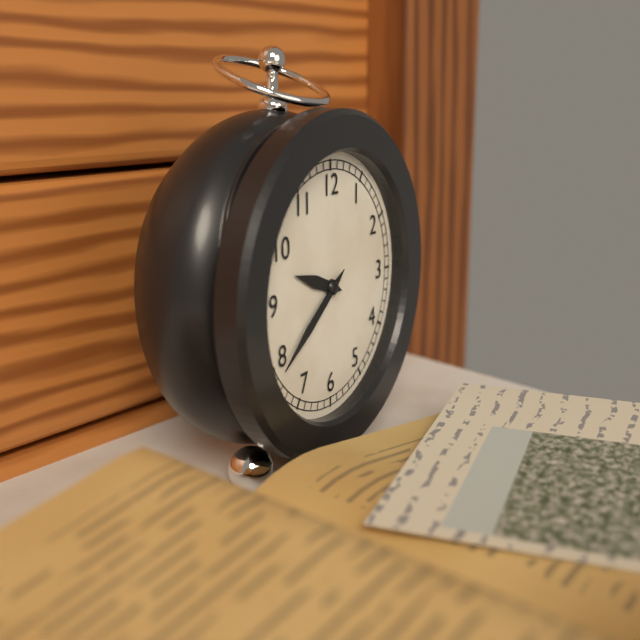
9.39
